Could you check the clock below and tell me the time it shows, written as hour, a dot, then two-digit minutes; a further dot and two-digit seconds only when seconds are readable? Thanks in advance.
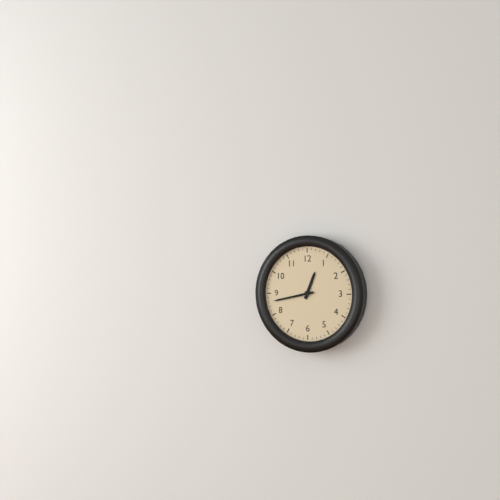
12.43
